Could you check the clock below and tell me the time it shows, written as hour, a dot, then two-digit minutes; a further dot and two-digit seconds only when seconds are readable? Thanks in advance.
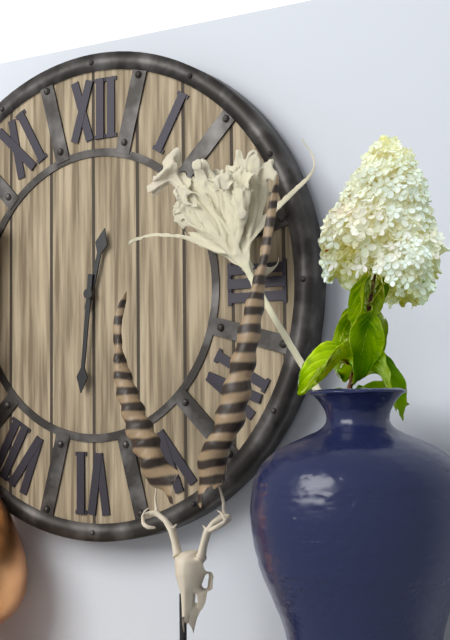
12.31
